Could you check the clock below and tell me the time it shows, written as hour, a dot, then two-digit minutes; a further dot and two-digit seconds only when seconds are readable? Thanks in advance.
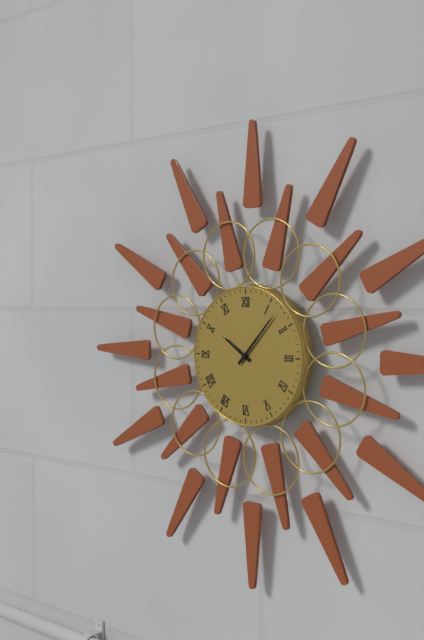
10.07
